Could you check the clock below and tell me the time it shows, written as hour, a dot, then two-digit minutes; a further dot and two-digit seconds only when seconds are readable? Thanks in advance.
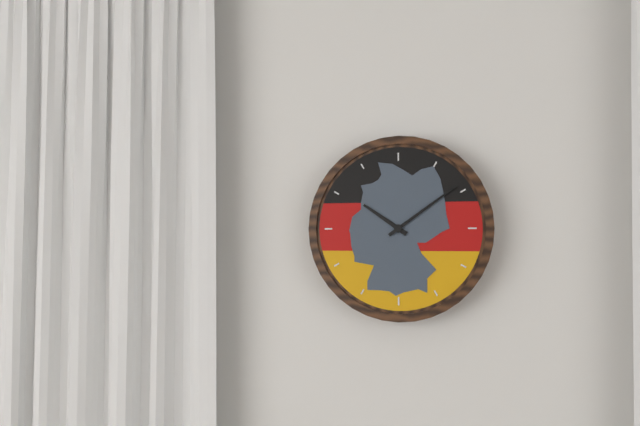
10.09
